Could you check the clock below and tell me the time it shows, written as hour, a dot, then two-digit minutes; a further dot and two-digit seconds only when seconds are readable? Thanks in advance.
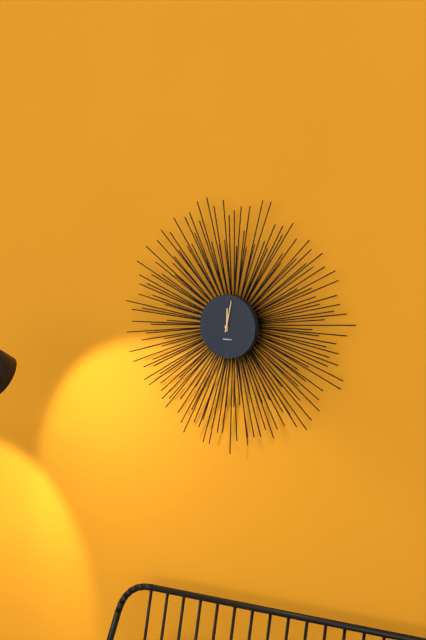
12.02
